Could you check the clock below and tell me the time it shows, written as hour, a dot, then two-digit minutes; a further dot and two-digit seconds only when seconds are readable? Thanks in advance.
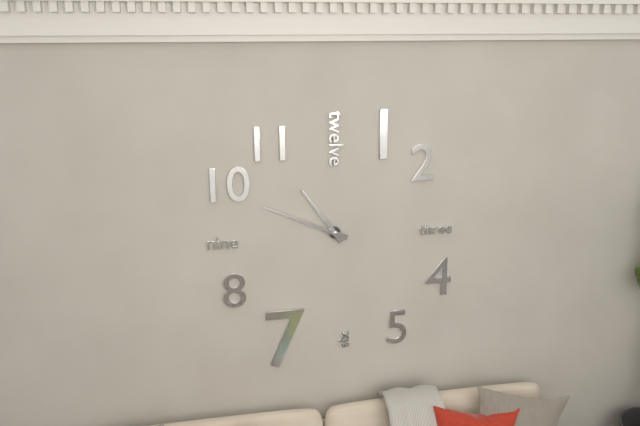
10.49
